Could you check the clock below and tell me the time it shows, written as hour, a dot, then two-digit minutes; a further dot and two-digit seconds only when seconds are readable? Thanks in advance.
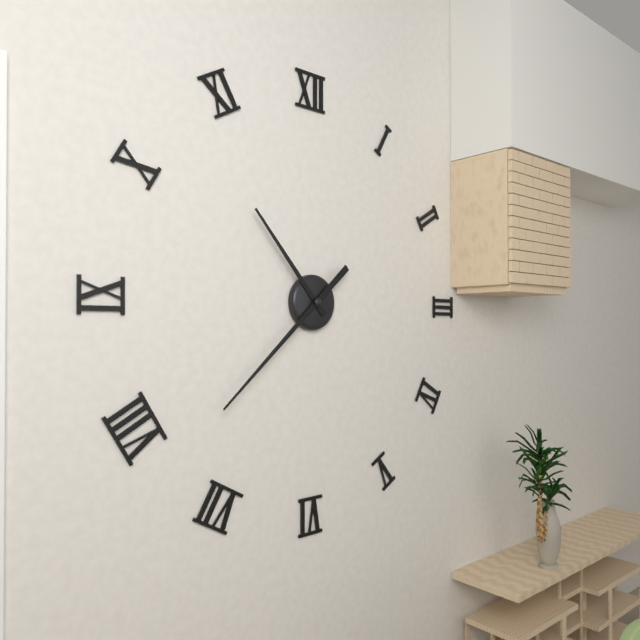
10.38
